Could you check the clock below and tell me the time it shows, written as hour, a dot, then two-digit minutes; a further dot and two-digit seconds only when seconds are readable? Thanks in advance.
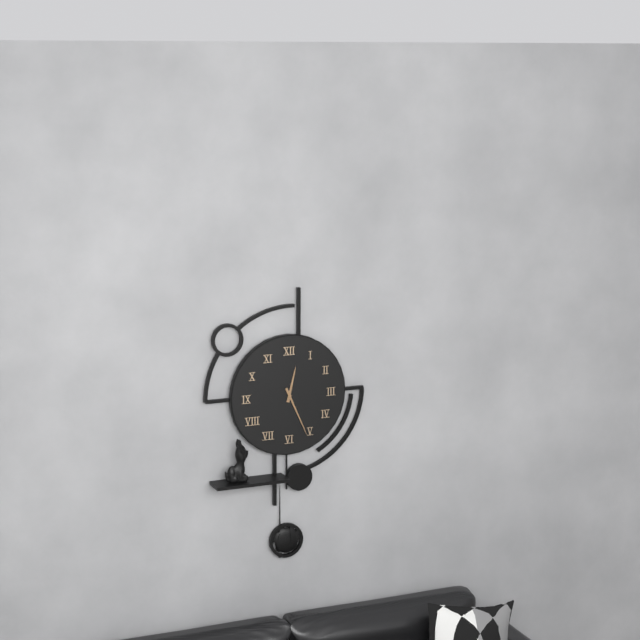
12.26
